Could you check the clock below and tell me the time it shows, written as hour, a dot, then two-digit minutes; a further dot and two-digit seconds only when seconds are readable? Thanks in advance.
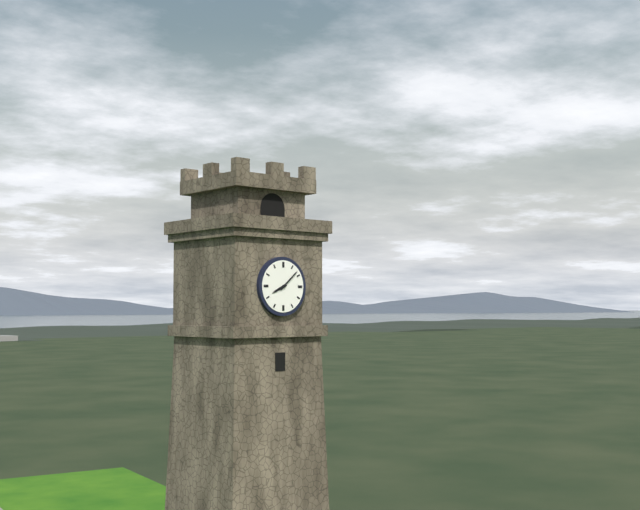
8.08
